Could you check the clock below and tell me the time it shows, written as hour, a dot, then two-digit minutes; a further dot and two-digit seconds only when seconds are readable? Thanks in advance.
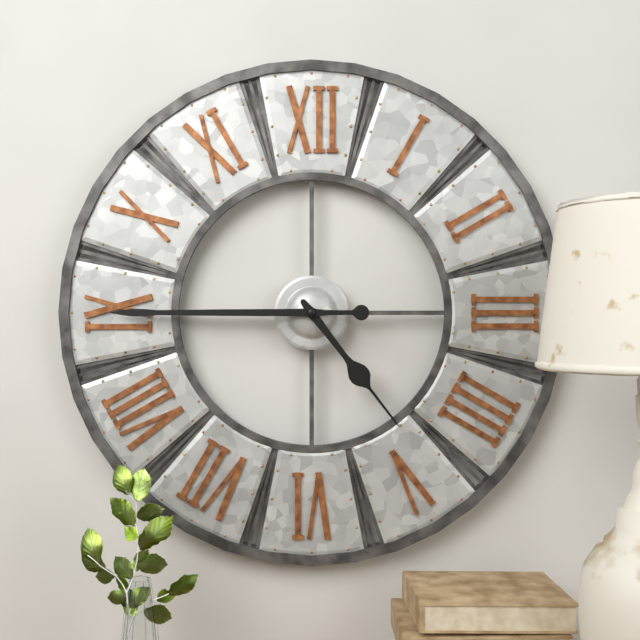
4.45
